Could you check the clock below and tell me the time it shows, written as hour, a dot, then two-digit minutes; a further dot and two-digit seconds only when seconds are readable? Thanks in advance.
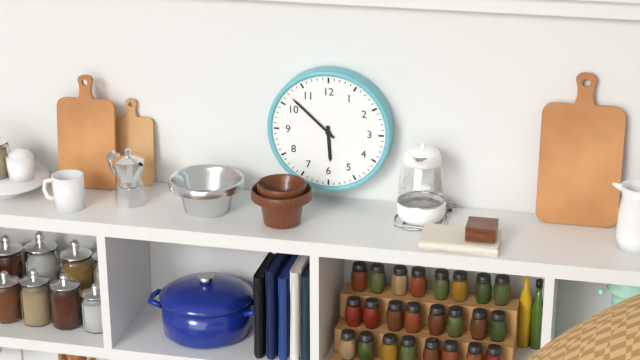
5.52
